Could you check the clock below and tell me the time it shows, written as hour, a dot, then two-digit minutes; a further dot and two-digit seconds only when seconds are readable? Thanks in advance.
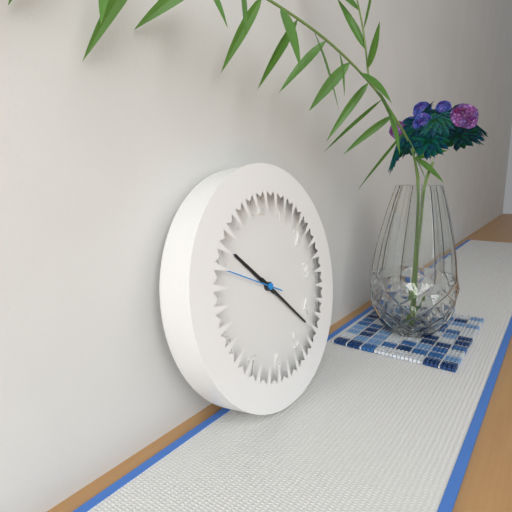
10.22.49
